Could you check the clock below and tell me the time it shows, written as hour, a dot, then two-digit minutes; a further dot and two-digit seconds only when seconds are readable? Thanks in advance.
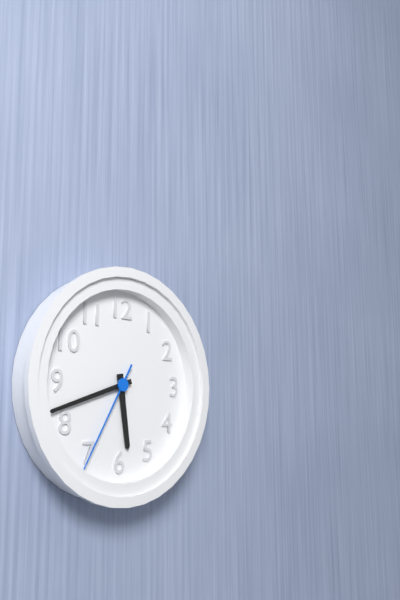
5.42.35
